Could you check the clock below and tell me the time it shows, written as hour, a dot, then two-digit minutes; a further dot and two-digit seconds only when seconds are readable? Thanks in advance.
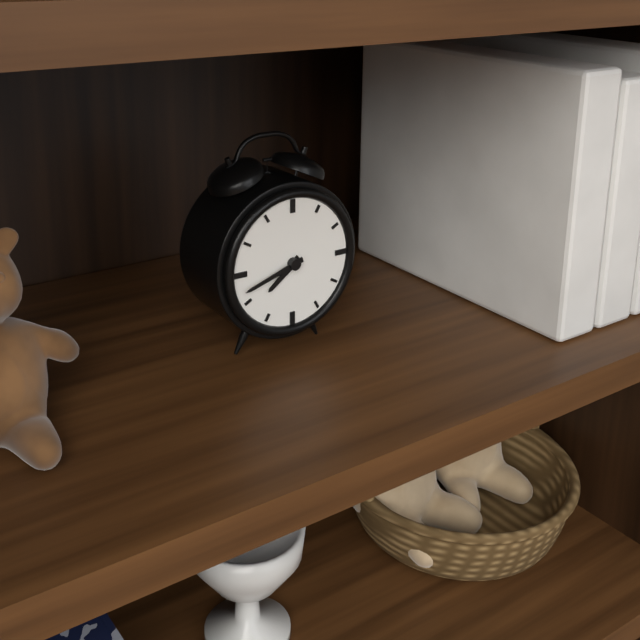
7.42
